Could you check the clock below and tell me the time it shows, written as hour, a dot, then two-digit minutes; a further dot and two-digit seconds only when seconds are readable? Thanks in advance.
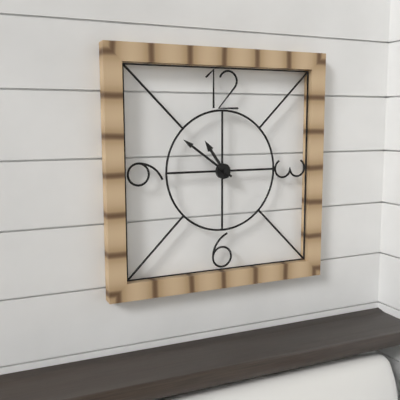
10.51
